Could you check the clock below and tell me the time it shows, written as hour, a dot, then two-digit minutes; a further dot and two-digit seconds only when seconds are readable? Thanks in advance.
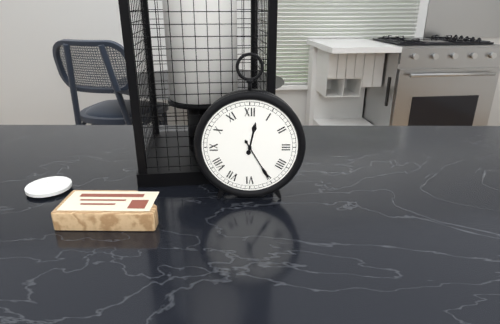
12.25
